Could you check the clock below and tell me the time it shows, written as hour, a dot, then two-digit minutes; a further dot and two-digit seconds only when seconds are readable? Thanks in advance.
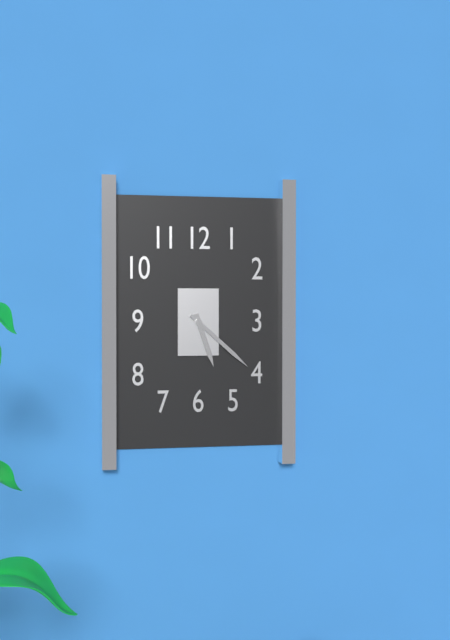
5.22
